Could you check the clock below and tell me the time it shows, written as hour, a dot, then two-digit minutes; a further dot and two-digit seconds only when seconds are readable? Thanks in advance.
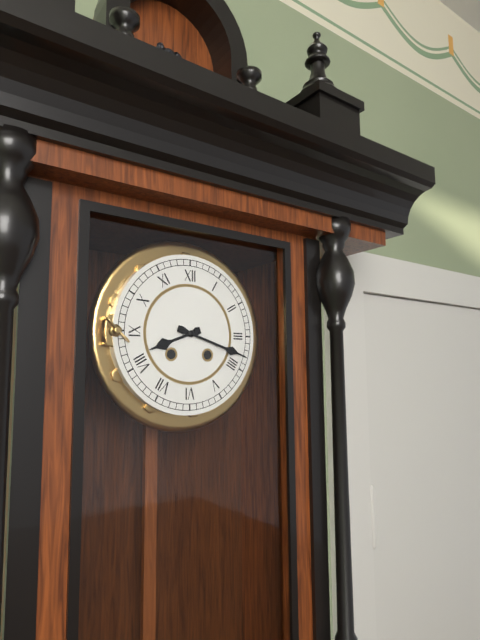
8.18
